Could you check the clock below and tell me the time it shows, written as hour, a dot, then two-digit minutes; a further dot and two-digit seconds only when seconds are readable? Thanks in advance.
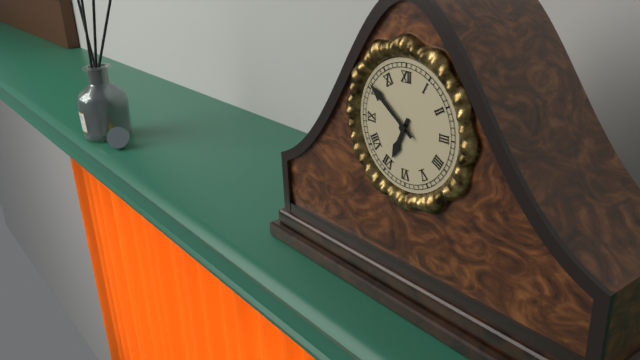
6.51
